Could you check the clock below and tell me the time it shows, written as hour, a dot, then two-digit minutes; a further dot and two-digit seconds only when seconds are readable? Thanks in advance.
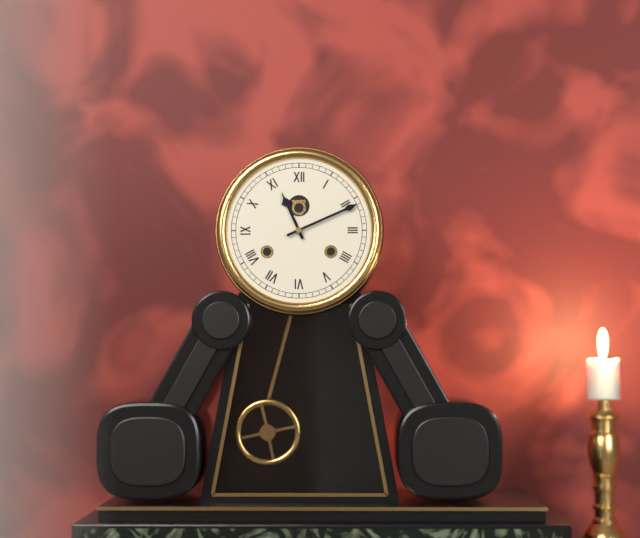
11.11
